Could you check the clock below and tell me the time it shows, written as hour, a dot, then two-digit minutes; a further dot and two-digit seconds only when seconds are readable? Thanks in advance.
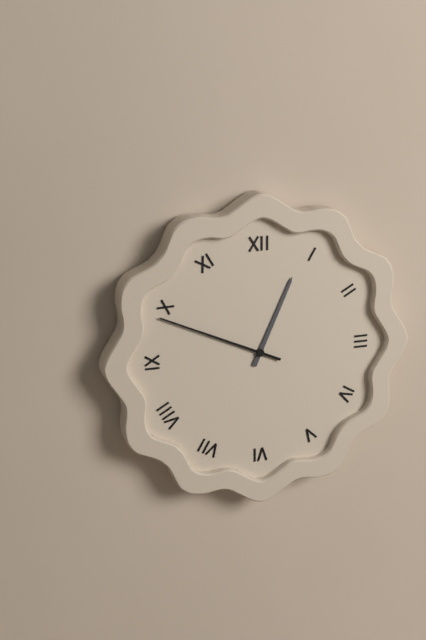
12.49
